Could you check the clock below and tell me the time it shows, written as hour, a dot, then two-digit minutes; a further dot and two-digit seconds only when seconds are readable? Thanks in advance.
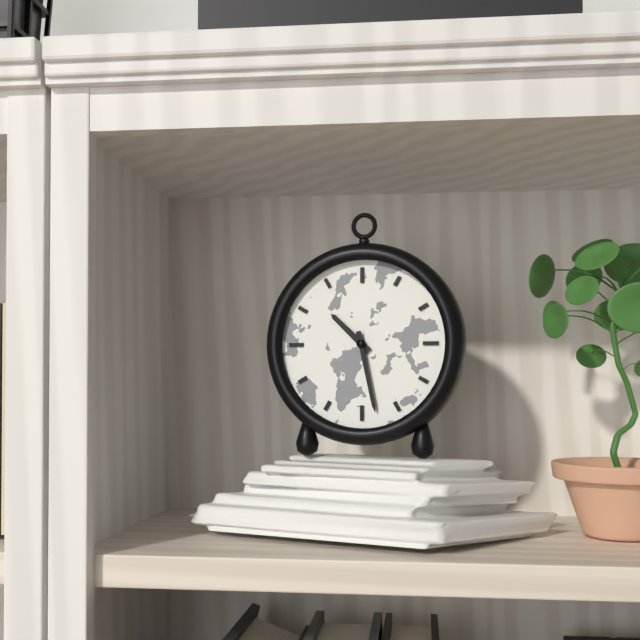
10.28
